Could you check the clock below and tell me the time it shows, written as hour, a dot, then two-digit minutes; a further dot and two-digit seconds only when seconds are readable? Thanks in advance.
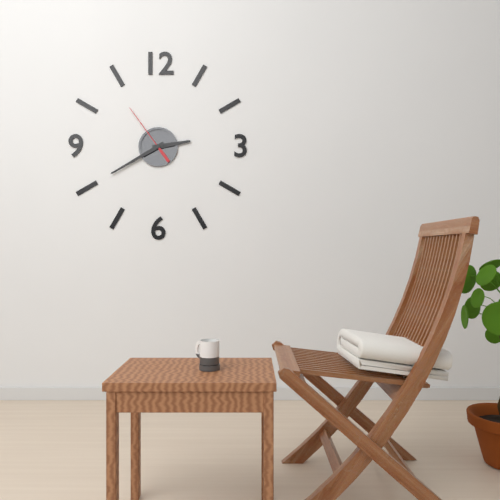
2.40.54
